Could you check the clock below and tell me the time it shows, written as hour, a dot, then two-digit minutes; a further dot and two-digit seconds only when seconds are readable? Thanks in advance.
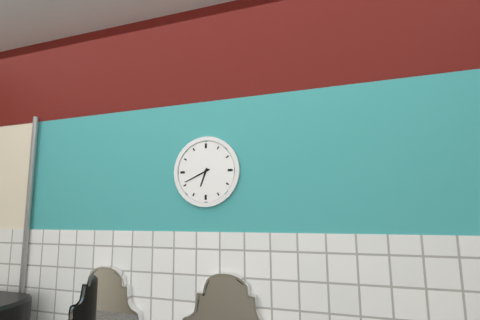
6.41
